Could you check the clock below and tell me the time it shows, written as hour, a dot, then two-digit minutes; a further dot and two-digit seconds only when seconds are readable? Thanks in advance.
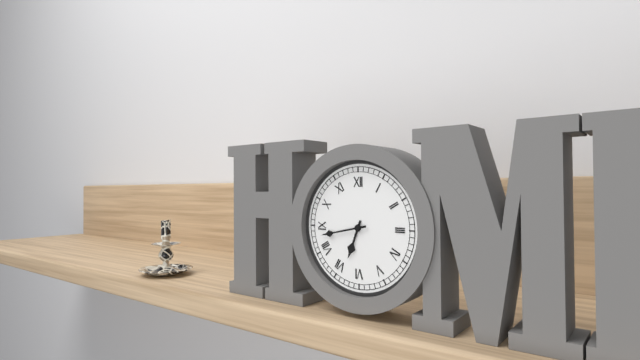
6.43
